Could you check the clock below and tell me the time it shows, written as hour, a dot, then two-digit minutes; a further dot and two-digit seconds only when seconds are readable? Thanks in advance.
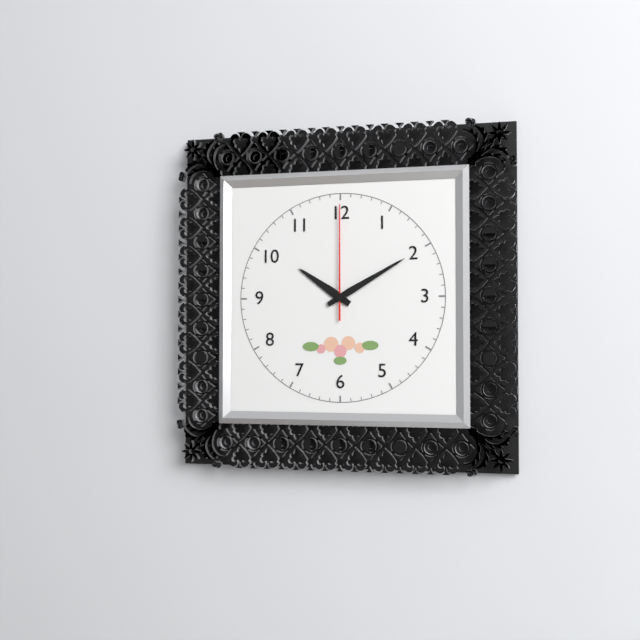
10.10.00
